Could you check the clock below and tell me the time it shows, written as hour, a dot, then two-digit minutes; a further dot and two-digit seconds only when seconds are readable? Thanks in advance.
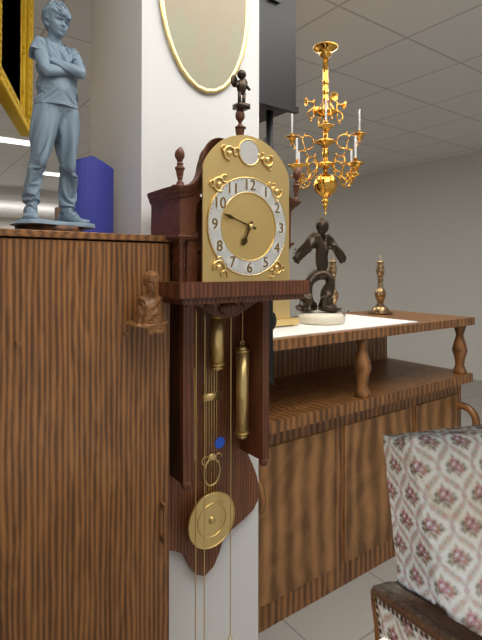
6.48
